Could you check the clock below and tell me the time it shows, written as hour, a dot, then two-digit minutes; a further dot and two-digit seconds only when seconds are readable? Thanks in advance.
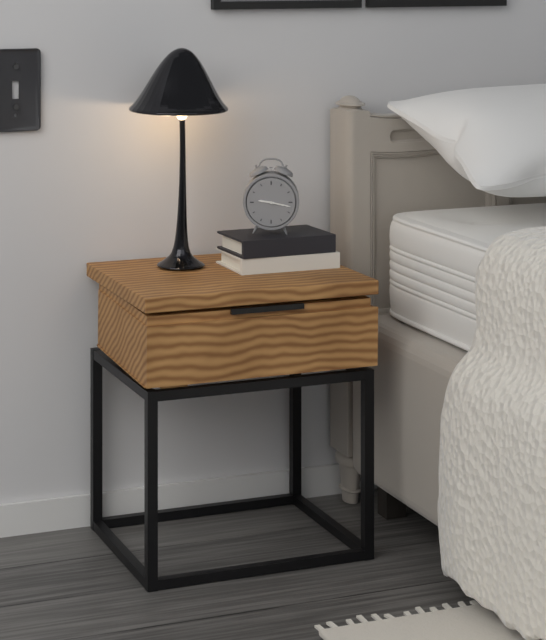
9.17
